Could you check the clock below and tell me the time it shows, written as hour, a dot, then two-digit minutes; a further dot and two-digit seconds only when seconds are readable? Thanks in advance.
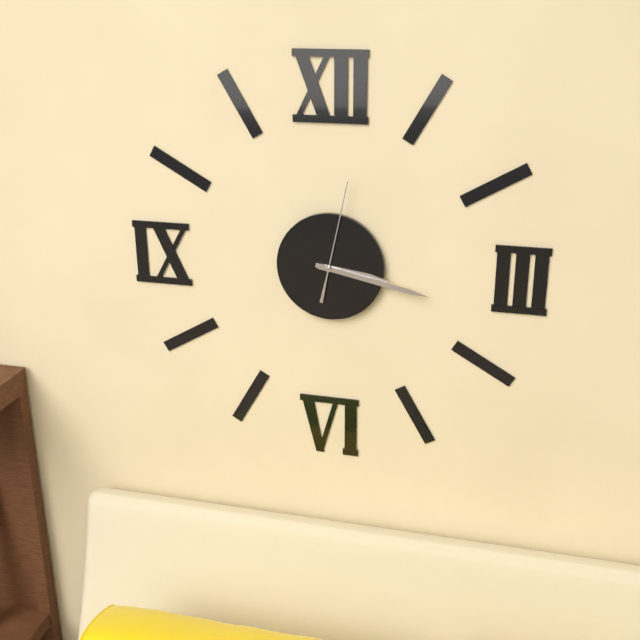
3.17.02
